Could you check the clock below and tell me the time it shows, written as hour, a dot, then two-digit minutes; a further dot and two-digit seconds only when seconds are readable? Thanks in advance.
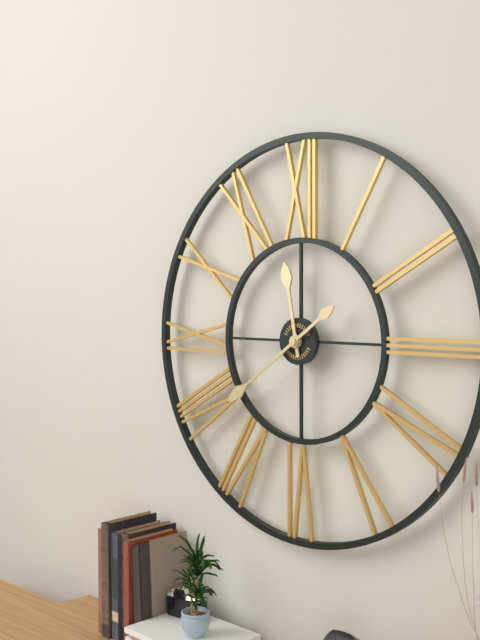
11.39
